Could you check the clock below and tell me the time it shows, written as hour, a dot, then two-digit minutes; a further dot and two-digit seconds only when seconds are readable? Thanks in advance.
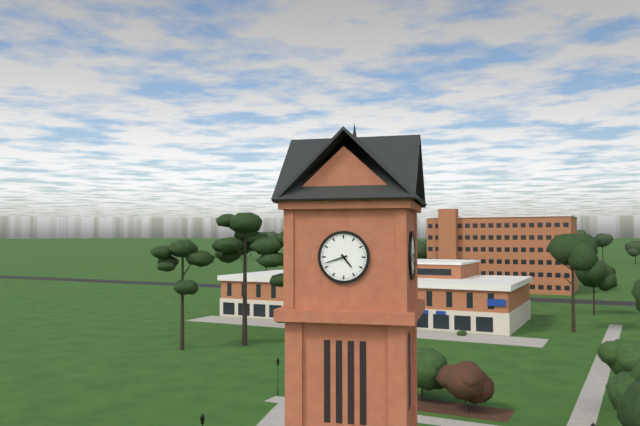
4.42
